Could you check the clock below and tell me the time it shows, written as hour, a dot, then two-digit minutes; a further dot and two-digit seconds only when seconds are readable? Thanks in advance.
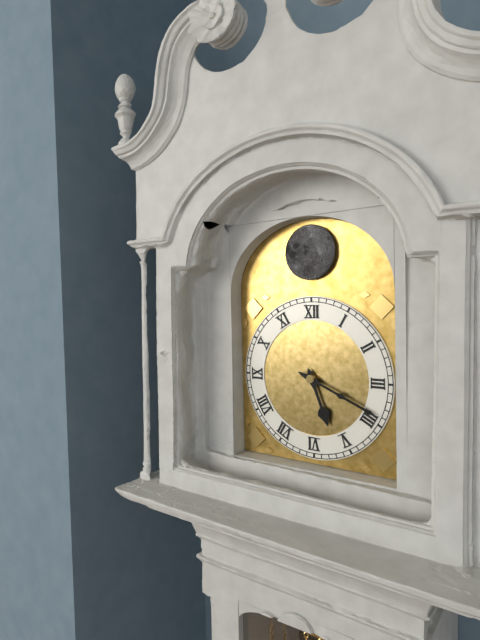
5.19
